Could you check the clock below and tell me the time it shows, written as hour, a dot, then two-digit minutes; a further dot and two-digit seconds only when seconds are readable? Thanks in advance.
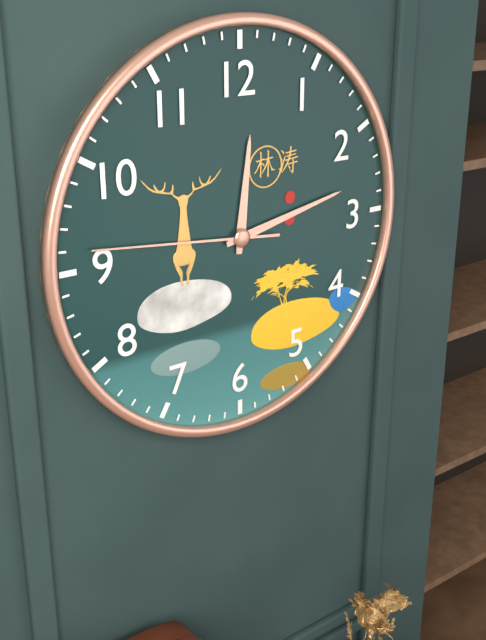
12.13.46
